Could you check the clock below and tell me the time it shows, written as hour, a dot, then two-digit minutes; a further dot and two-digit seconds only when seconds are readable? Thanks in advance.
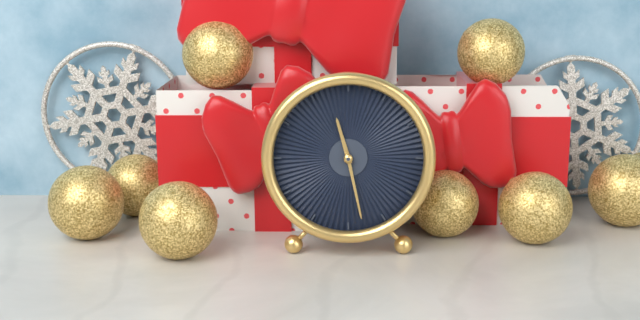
11.28
